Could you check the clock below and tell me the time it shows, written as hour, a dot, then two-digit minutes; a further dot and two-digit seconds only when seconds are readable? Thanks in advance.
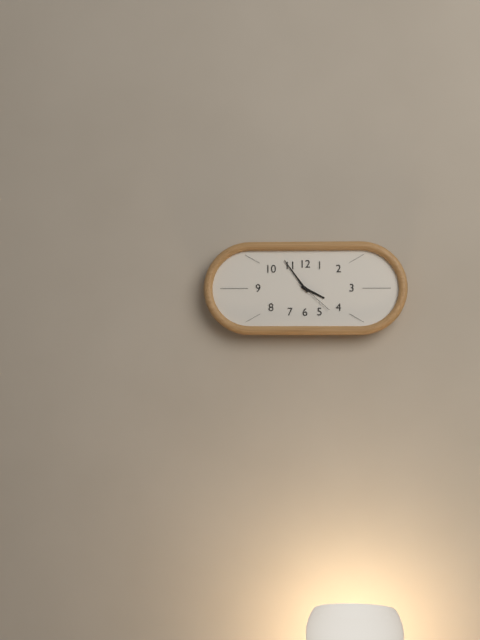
3.54
